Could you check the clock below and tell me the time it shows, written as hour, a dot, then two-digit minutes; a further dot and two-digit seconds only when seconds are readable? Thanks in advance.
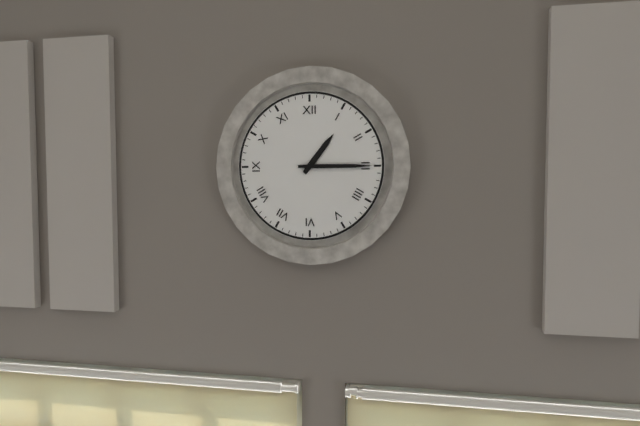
1.15
